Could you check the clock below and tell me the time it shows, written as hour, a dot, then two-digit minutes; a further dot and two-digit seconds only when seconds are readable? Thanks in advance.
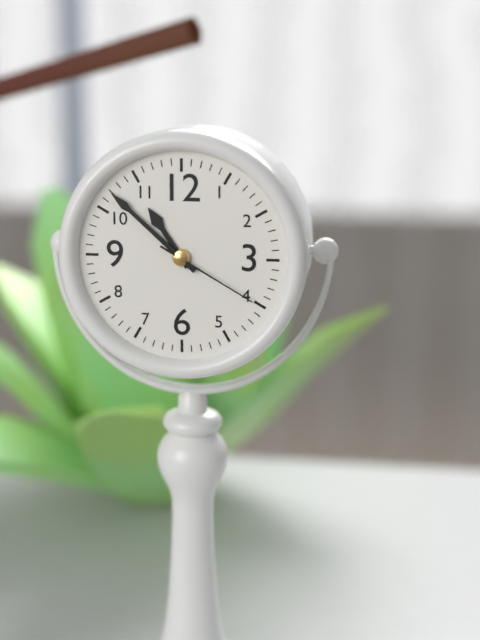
10.52.20
